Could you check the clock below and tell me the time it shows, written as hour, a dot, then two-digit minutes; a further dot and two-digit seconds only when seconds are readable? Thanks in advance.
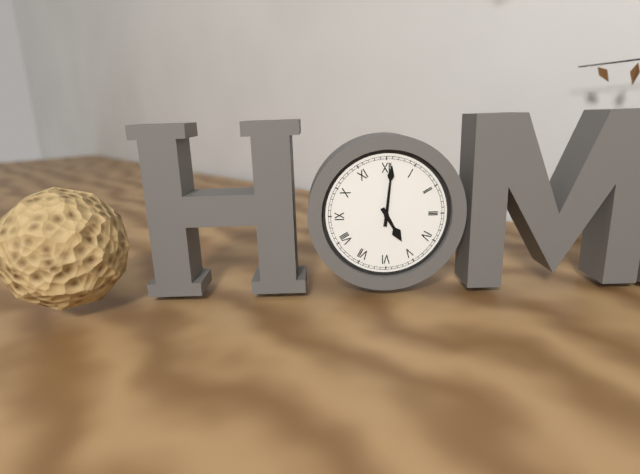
5.01
